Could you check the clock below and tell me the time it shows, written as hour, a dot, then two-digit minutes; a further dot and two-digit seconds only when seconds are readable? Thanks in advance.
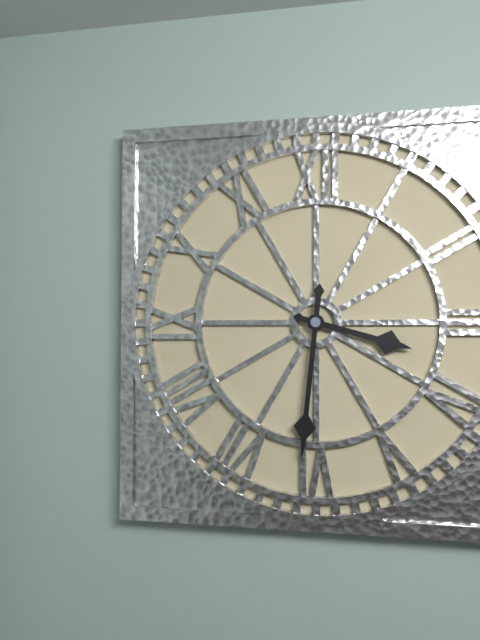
3.31
